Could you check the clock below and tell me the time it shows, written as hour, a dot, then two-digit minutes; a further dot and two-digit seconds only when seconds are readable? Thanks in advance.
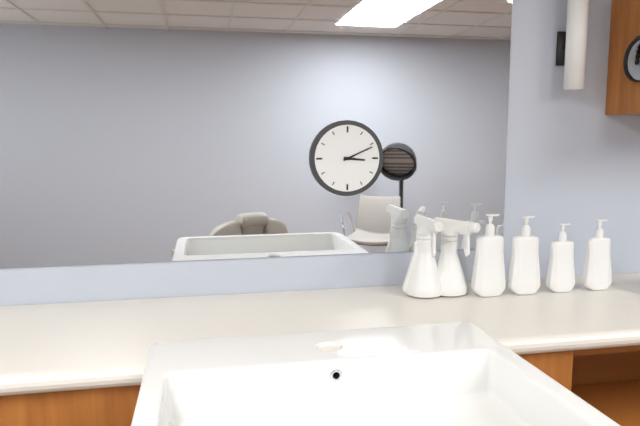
3.11
